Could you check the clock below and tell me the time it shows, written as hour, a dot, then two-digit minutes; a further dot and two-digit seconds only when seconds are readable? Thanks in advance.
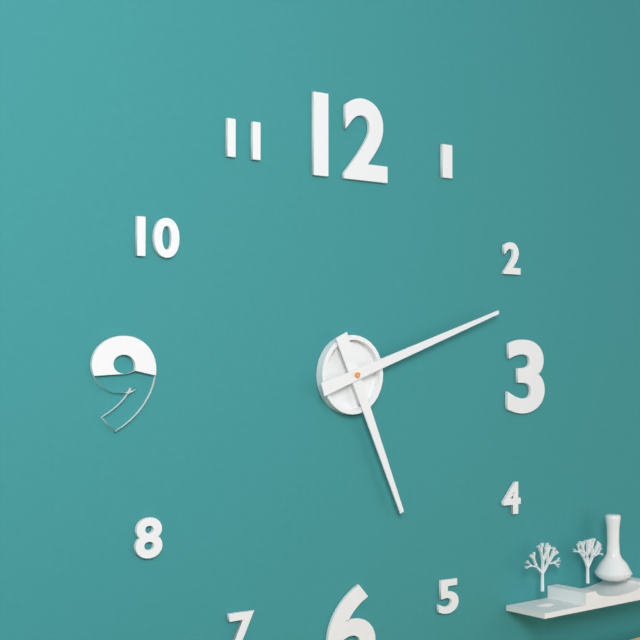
5.12
